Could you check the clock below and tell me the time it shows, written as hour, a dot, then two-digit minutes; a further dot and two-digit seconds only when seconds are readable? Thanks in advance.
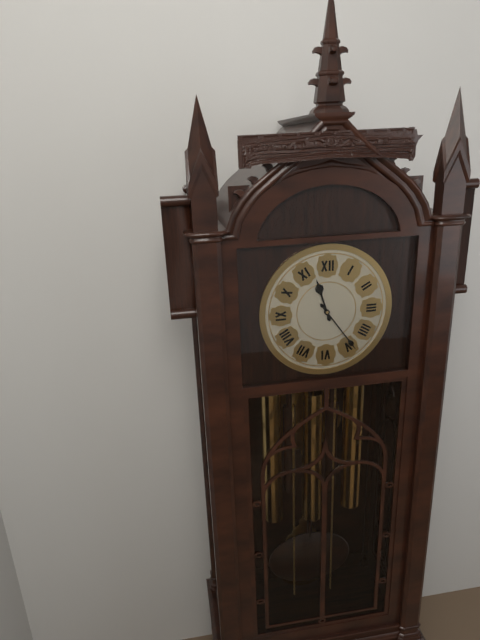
11.24
